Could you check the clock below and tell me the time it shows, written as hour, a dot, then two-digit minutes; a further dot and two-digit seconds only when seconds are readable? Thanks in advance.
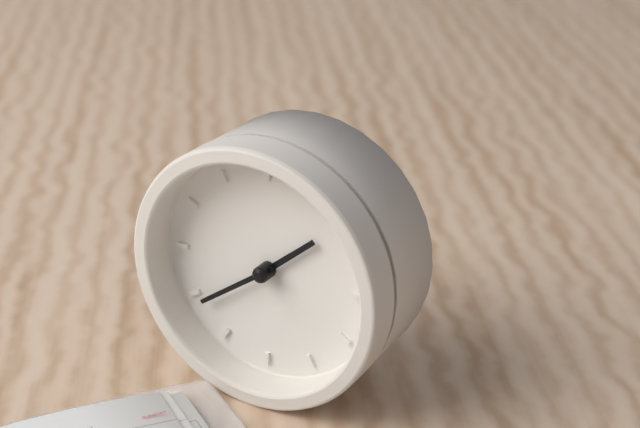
1.39
